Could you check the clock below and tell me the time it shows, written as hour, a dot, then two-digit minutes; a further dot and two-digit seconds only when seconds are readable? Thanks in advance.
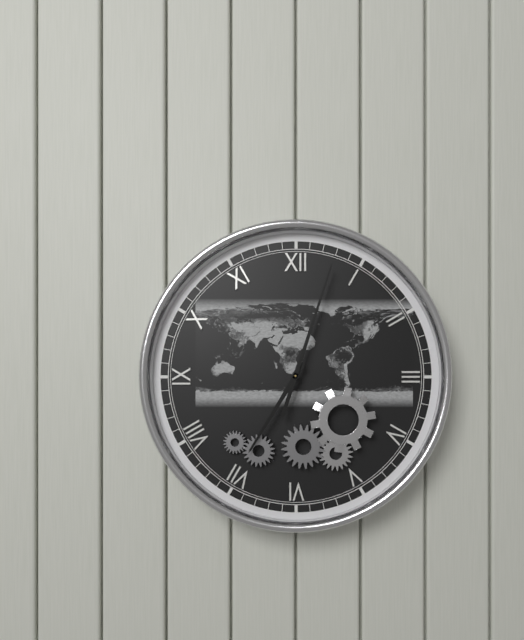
7.03
